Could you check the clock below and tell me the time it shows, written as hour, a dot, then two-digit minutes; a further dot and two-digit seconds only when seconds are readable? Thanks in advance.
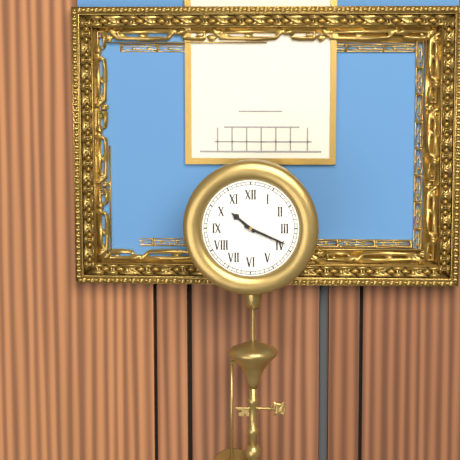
10.19
